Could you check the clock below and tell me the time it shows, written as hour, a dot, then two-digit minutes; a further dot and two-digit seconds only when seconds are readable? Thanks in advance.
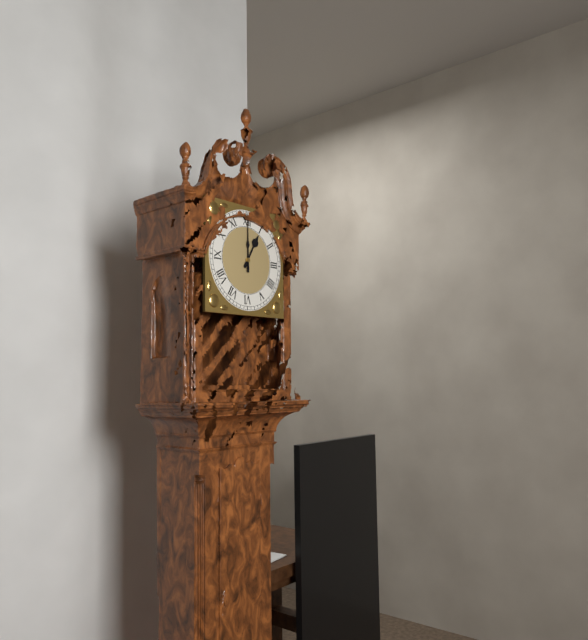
1.00
